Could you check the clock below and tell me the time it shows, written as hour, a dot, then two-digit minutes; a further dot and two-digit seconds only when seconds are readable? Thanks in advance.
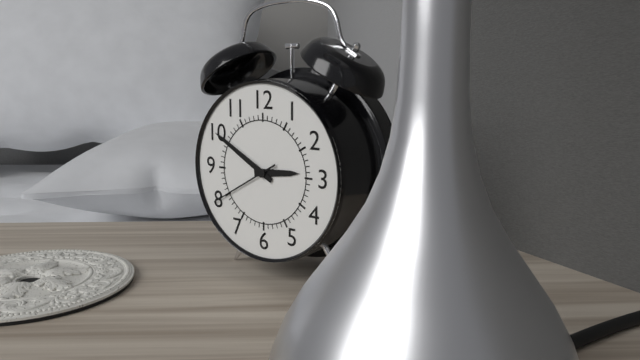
2.50.40
